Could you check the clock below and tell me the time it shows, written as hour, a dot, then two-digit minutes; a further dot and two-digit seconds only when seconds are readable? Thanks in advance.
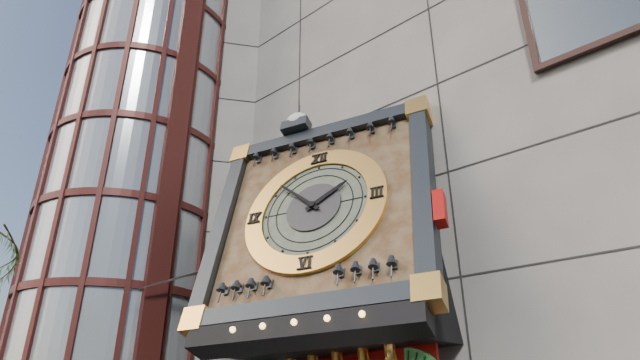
1.52
